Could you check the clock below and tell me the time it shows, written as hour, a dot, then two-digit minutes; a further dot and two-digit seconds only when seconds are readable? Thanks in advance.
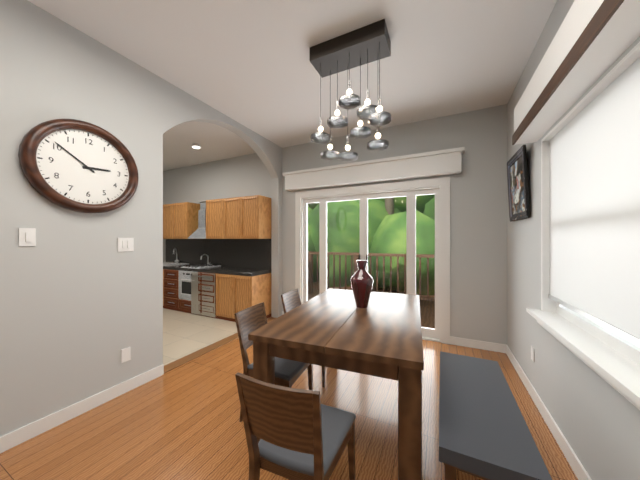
2.51
